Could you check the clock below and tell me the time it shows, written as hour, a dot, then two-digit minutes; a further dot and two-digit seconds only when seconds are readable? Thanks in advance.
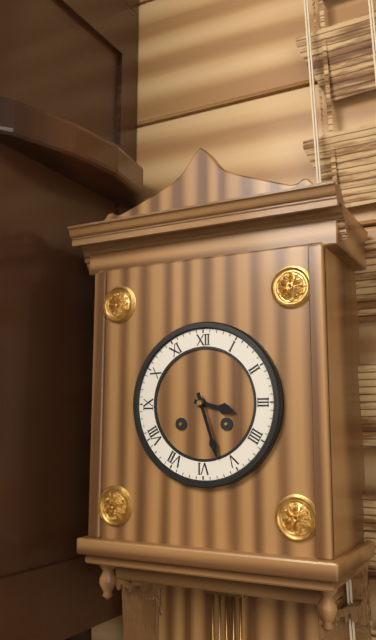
3.27
